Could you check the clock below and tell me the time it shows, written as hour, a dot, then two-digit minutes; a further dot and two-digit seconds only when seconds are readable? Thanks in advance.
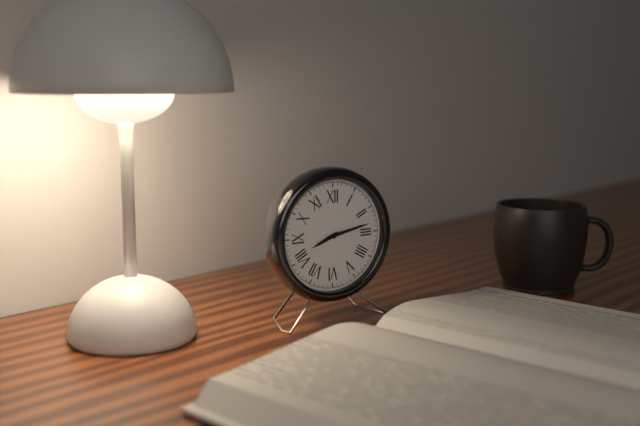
8.13
